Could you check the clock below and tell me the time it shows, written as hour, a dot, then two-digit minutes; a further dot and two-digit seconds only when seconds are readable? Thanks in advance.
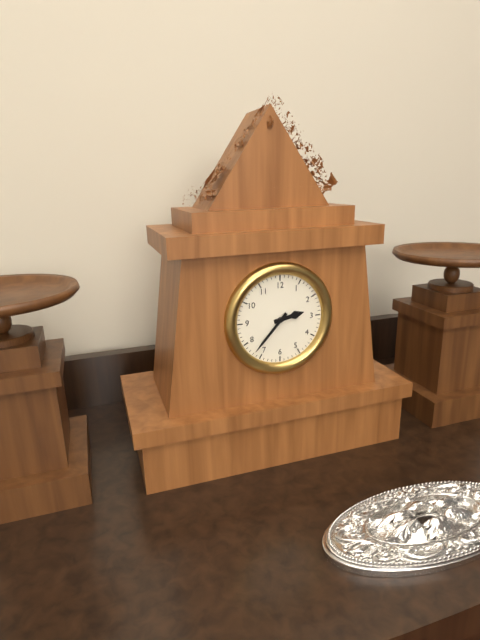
2.37
